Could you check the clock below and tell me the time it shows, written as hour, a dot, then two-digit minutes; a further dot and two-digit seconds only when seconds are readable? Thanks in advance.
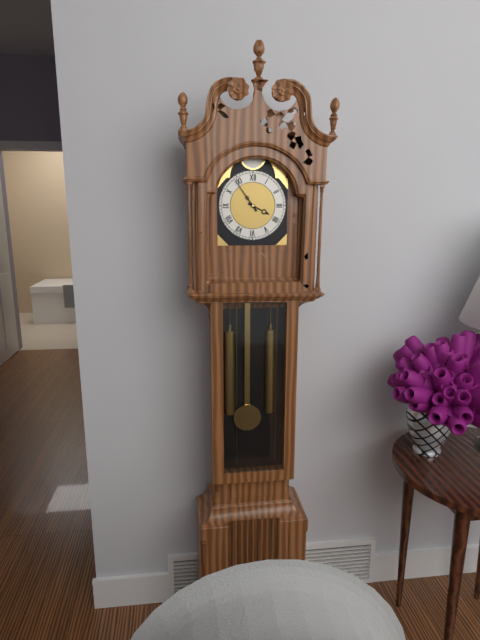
3.54
